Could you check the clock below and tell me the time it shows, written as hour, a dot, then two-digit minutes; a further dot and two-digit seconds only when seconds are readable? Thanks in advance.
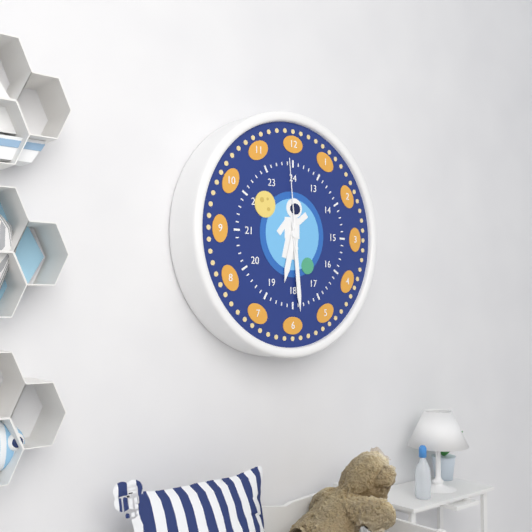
6.29.59
